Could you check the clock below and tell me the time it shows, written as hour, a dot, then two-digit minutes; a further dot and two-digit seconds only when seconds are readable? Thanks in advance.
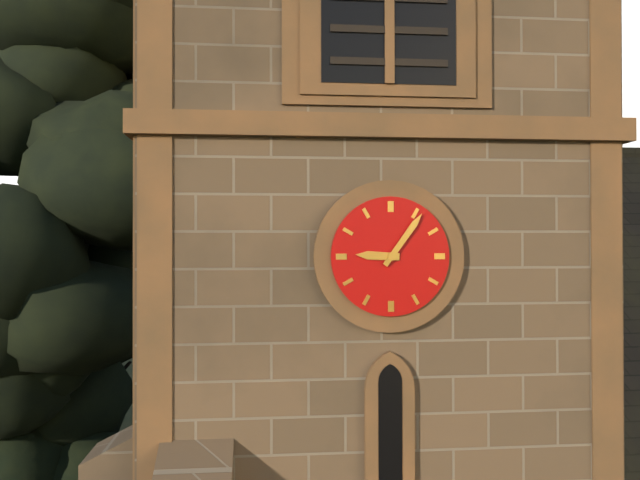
9.06
